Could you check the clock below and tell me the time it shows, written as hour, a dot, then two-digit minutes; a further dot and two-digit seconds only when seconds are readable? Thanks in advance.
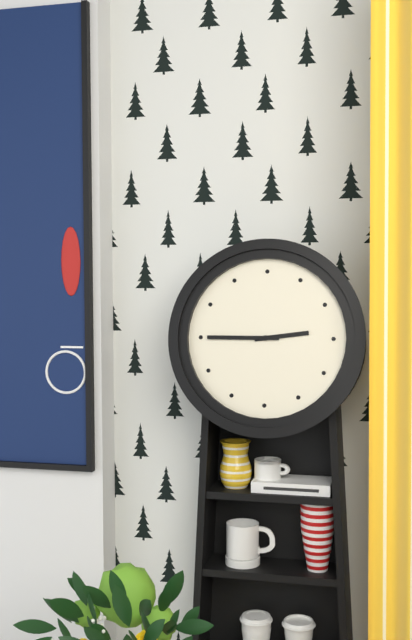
2.45
